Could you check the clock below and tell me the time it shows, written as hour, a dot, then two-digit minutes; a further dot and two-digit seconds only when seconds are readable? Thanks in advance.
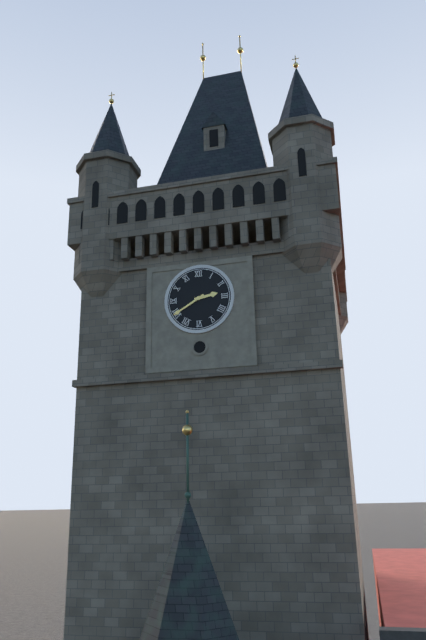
2.40
